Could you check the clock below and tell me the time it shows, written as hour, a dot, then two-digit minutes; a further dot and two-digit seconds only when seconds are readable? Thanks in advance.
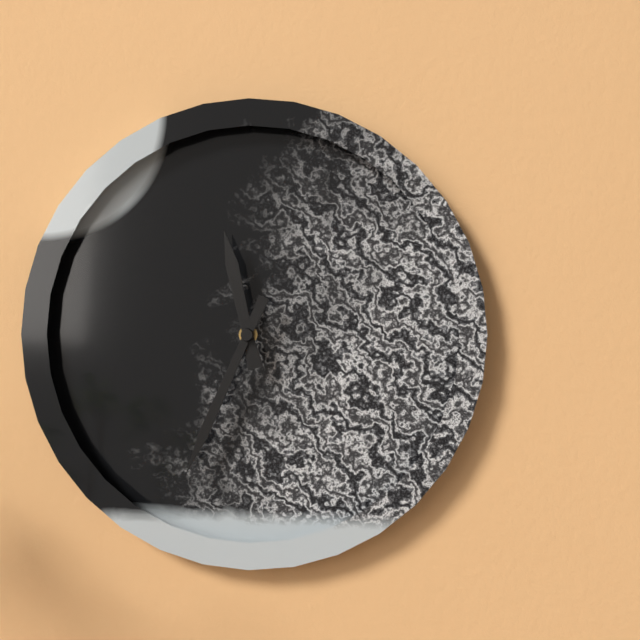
11.34
